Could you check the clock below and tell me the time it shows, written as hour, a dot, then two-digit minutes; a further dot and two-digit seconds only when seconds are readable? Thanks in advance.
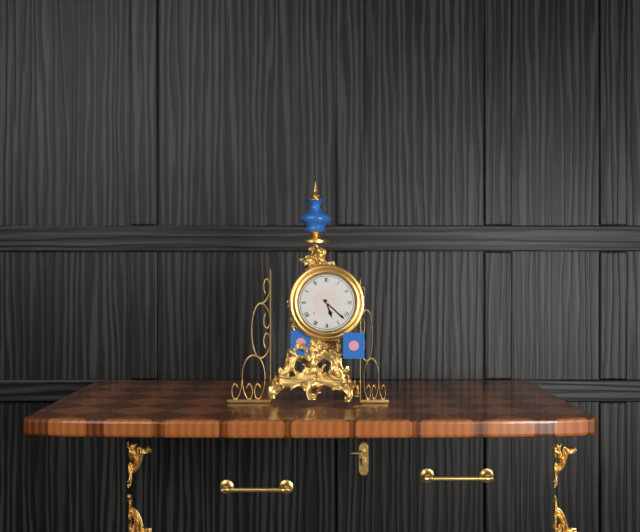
5.22
